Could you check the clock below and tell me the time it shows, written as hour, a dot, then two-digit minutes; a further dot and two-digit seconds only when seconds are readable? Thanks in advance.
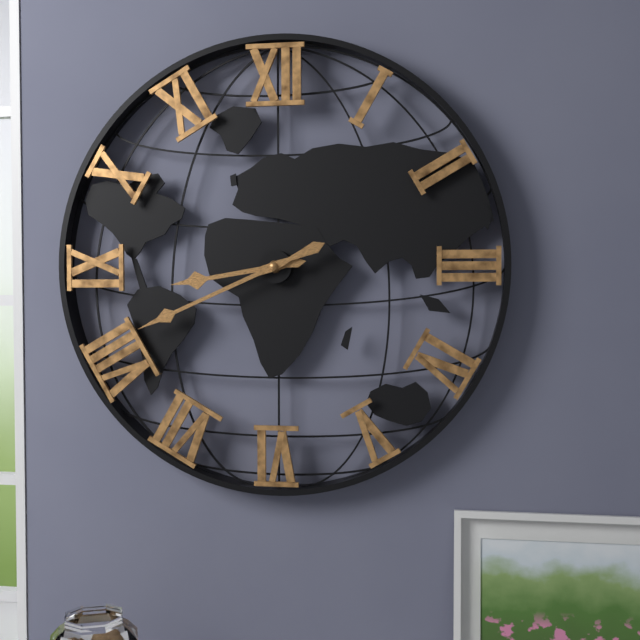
8.41
